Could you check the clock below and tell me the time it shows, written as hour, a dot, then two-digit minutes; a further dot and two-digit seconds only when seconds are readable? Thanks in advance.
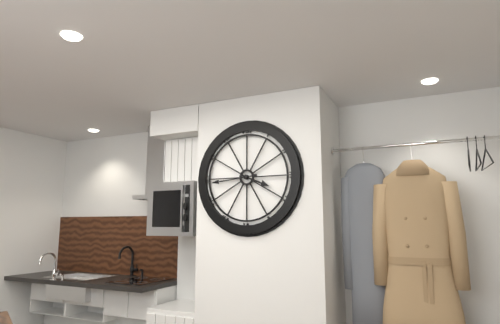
3.44
